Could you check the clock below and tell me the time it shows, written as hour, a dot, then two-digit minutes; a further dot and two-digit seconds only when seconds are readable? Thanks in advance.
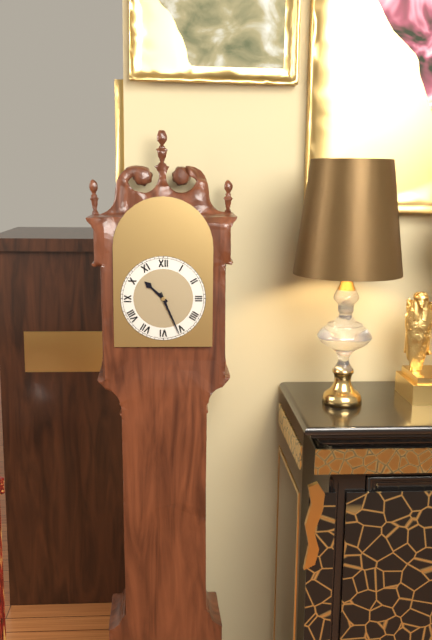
10.26
